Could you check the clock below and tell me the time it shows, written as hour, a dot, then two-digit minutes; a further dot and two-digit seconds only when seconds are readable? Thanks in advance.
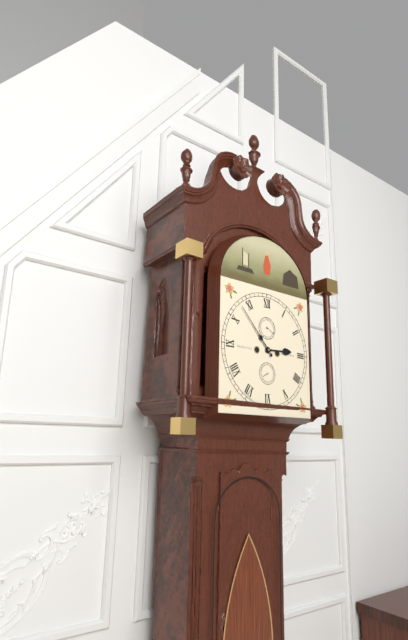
2.53
